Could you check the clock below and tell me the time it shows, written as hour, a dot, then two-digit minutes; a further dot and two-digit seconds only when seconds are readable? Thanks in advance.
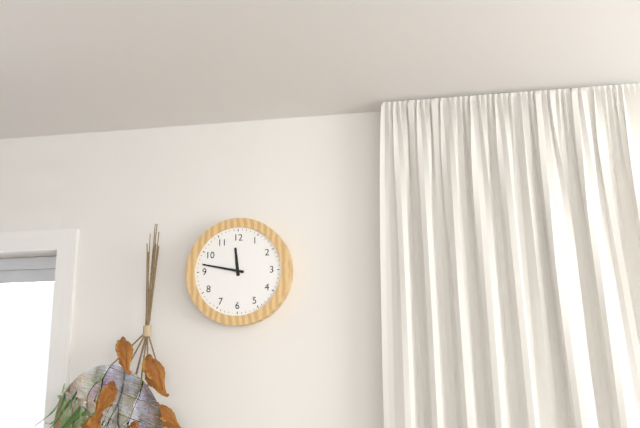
11.47
